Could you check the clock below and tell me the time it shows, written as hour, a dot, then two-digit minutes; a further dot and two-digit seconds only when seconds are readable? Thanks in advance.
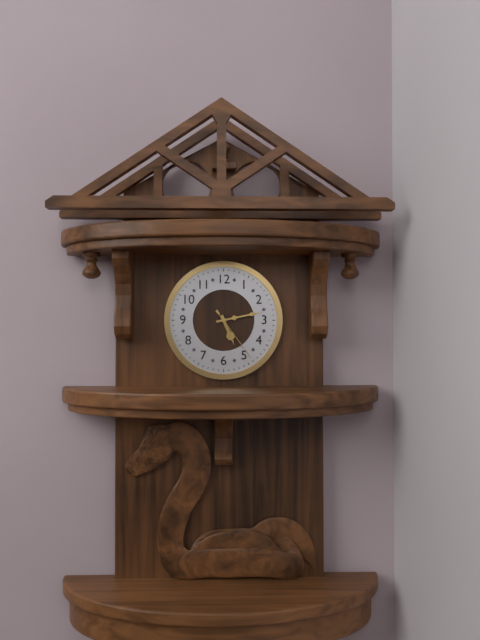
5.13.24
